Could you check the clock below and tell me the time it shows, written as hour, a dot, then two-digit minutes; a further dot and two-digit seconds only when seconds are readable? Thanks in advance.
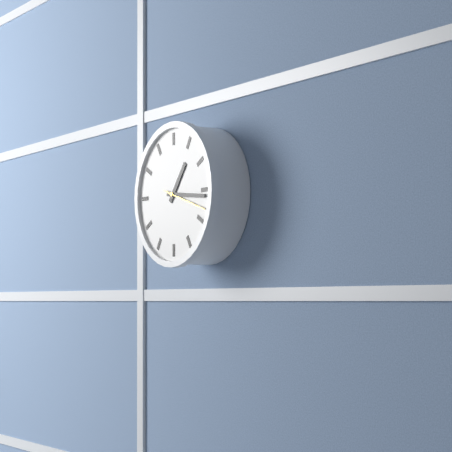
1.16
